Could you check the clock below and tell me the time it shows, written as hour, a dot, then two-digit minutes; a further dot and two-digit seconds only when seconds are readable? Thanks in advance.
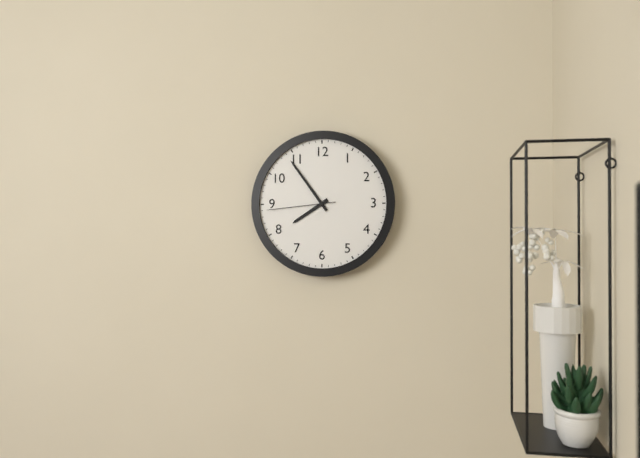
7.54.44
